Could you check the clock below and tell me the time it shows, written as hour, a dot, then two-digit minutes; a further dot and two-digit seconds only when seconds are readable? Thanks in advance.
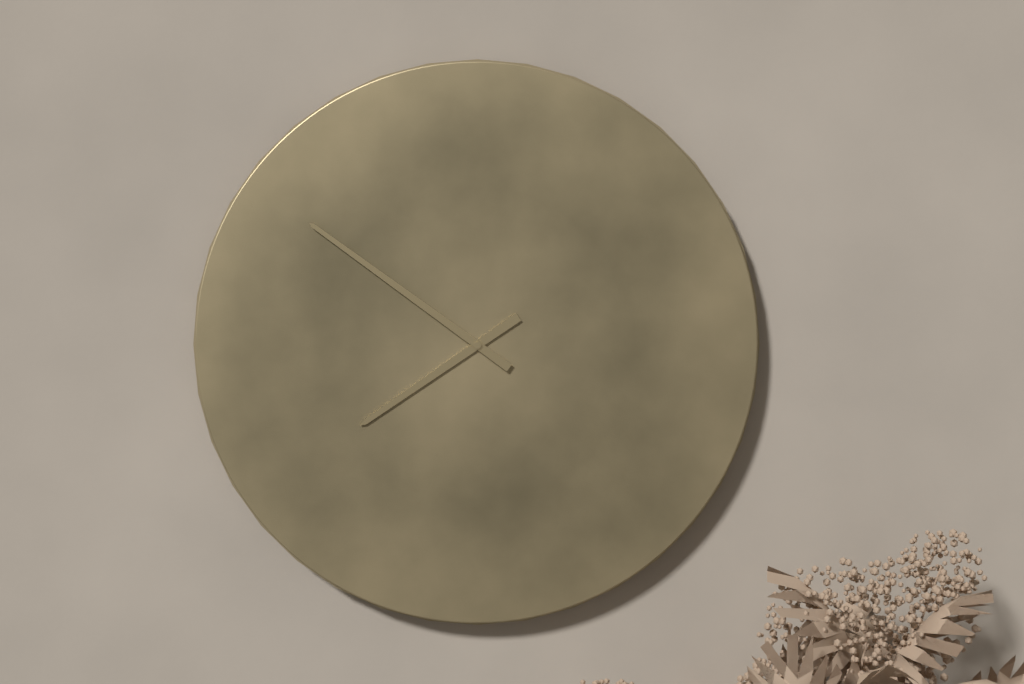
7.51
